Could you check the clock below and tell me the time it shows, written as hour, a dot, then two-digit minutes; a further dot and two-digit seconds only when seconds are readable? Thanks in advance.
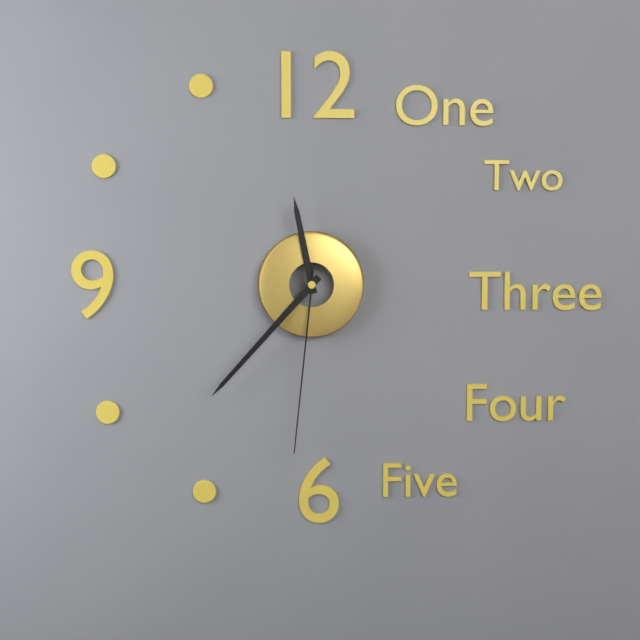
11.37.31
